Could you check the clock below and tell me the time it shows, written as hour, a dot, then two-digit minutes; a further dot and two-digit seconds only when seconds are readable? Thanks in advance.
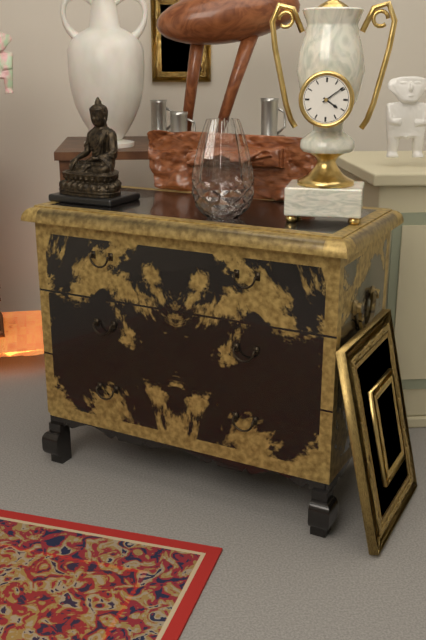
4.09
